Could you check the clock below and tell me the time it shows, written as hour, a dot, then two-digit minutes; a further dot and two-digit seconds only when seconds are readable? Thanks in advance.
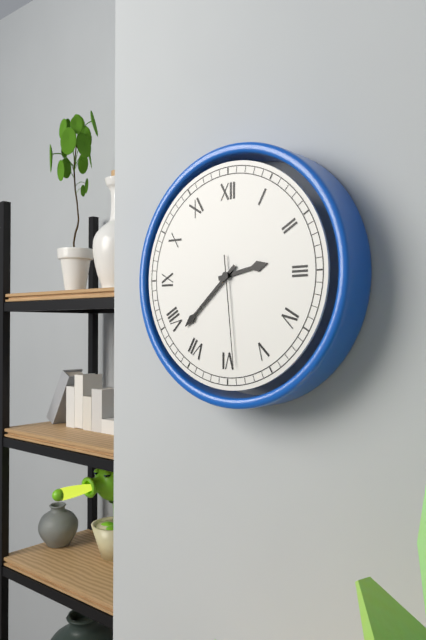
2.38.29
